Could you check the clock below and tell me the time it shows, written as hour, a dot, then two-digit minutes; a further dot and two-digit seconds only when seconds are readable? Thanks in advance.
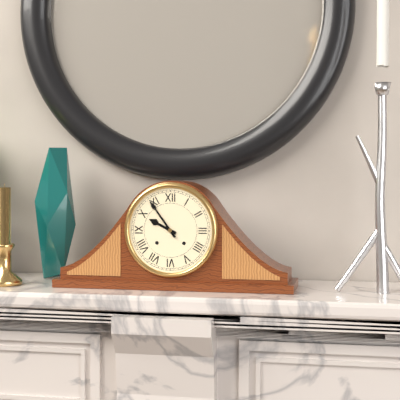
9.54
